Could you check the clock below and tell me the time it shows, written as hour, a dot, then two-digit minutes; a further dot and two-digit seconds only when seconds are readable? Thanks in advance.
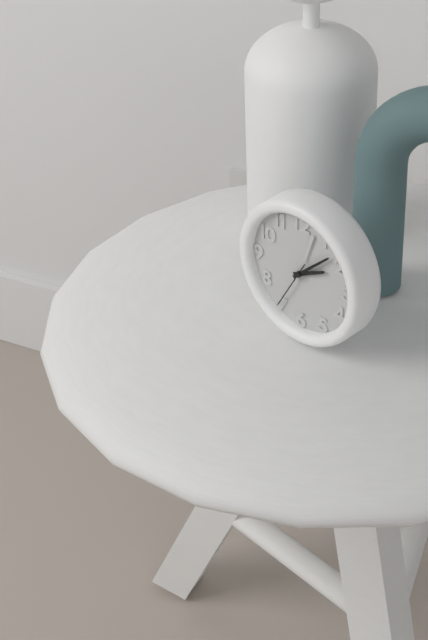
2.08
